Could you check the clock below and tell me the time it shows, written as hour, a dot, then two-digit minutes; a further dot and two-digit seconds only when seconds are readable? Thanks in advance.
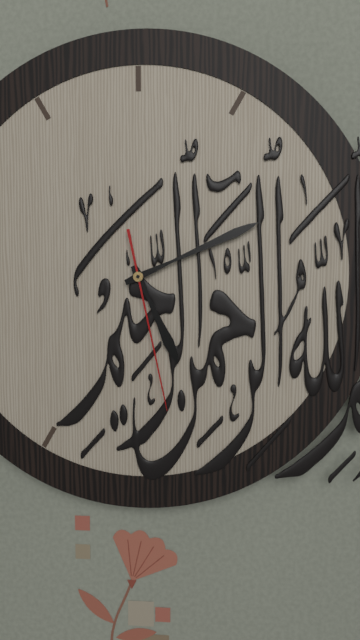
5.11.28
